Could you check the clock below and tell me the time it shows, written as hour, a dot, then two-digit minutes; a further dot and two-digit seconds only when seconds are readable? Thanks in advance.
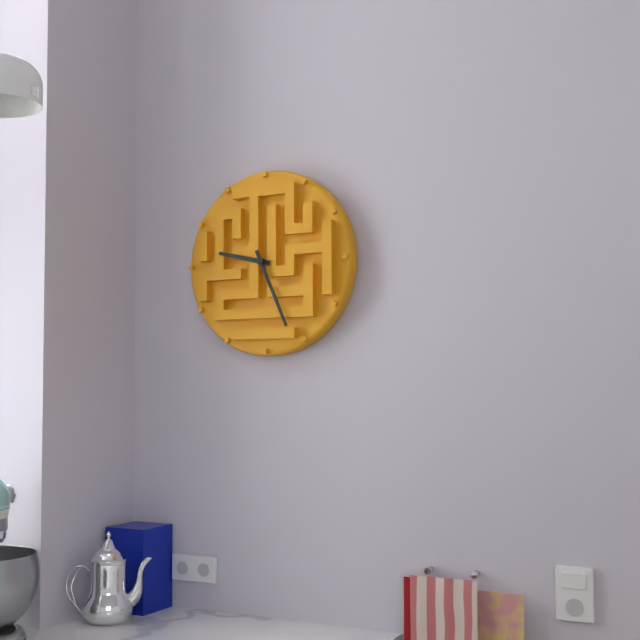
9.26
